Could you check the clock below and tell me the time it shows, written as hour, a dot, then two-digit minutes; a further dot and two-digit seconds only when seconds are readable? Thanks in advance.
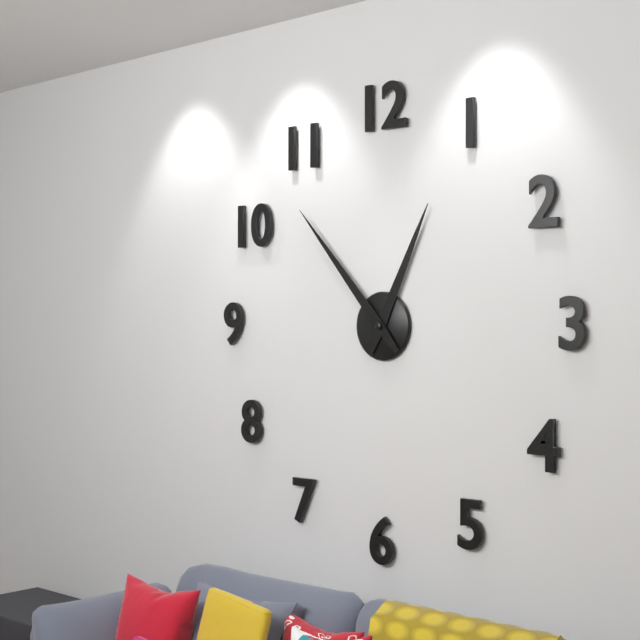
12.53
